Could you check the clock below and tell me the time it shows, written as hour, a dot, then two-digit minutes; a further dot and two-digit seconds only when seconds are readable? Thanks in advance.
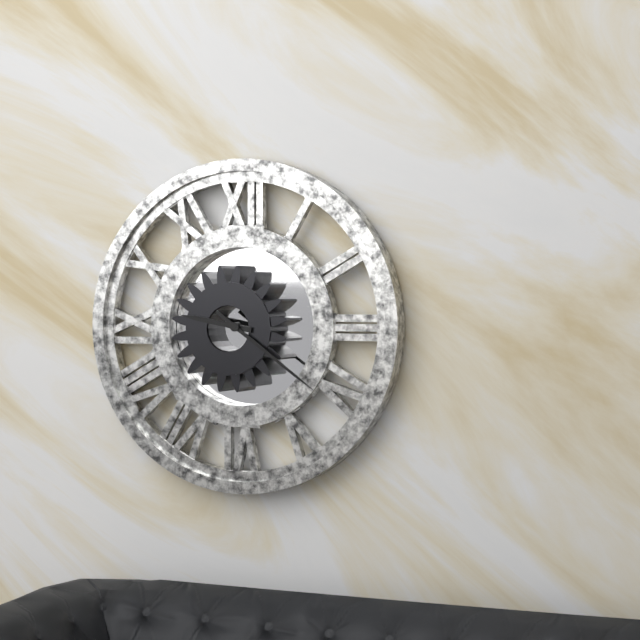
9.21
